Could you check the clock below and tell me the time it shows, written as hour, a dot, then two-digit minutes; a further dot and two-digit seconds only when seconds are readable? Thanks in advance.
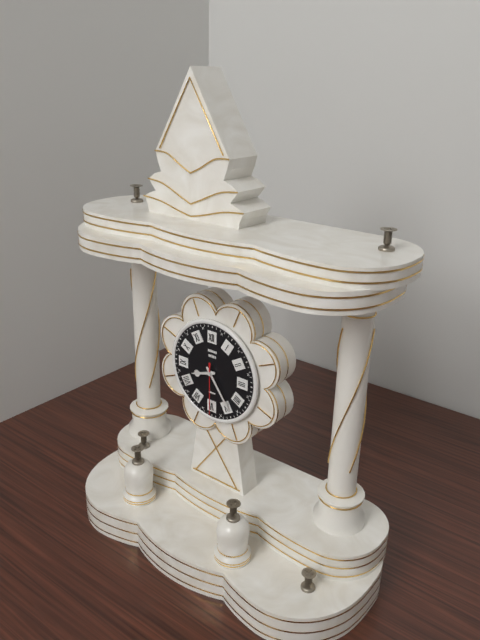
8.24.30
